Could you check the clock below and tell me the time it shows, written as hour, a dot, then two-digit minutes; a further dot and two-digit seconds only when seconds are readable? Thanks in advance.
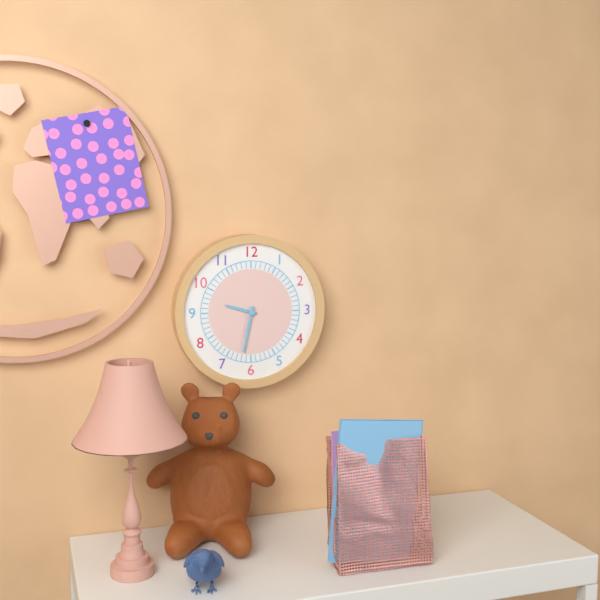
9.32
